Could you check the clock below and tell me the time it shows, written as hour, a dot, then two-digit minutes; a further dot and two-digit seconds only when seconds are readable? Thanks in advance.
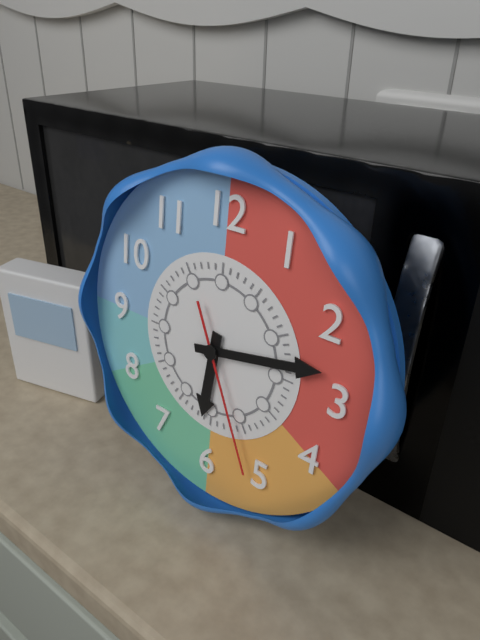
6.13.26
